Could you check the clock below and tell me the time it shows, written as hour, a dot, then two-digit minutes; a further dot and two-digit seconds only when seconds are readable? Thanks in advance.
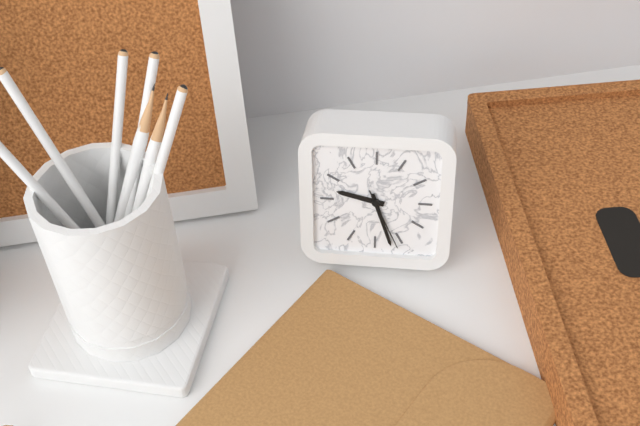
9.27.26
